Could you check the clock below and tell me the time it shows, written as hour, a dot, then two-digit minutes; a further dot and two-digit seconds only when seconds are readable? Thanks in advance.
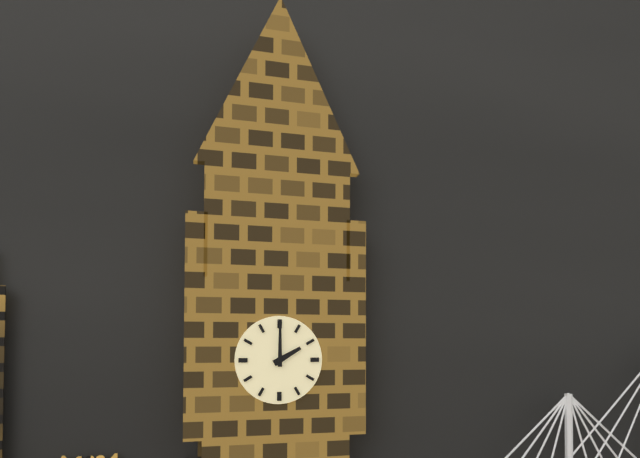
2.00
